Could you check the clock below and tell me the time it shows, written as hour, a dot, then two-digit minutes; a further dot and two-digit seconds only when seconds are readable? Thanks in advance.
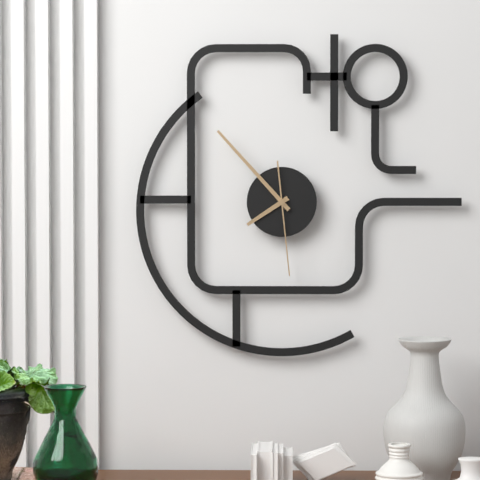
7.53.29
